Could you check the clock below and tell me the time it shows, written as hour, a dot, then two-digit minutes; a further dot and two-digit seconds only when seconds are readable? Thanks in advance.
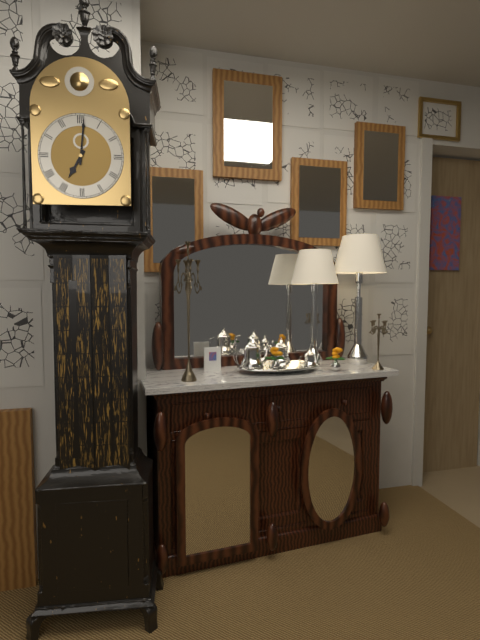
7.01
